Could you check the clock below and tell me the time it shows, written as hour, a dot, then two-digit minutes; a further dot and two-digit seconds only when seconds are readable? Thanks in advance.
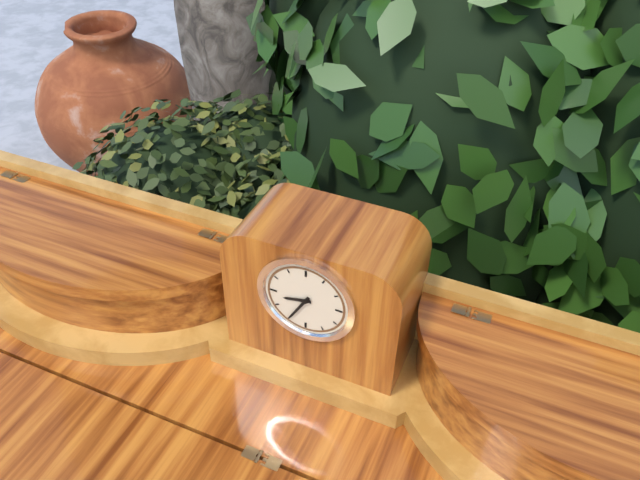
8.35
